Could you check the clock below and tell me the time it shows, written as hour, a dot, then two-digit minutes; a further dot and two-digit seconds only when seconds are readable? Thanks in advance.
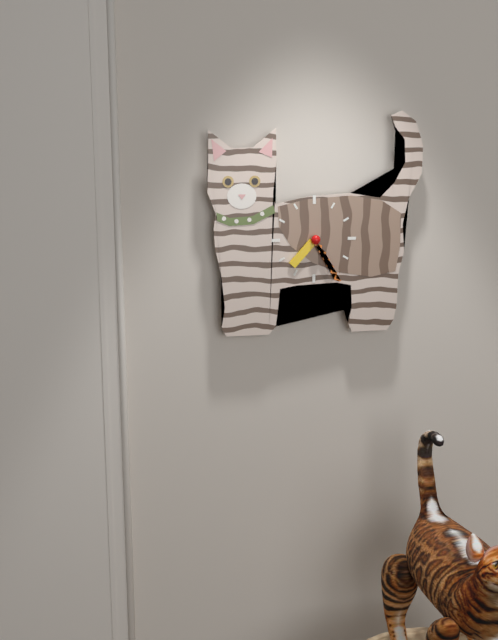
7.25
